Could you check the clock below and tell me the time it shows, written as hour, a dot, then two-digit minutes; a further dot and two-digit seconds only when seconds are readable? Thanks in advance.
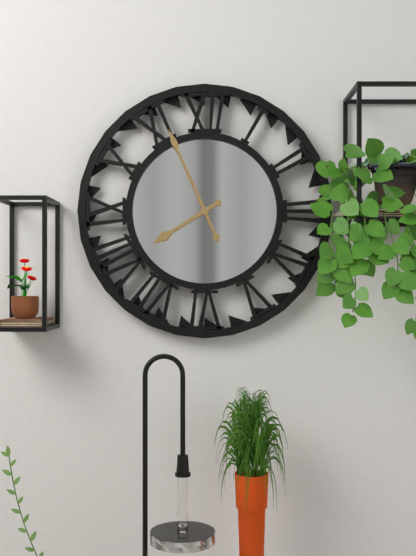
7.56
